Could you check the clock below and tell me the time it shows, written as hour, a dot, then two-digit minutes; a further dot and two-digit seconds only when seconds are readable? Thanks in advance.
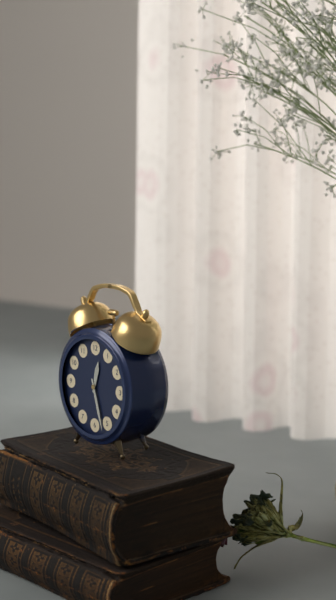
12.27
